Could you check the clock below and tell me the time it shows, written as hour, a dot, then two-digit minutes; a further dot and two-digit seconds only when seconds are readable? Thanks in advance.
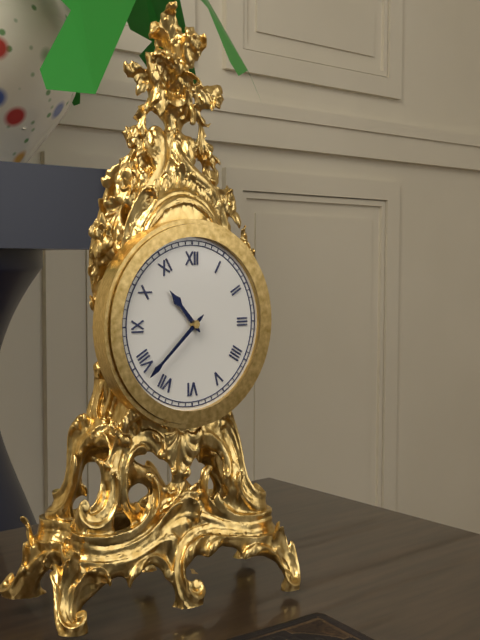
10.38
